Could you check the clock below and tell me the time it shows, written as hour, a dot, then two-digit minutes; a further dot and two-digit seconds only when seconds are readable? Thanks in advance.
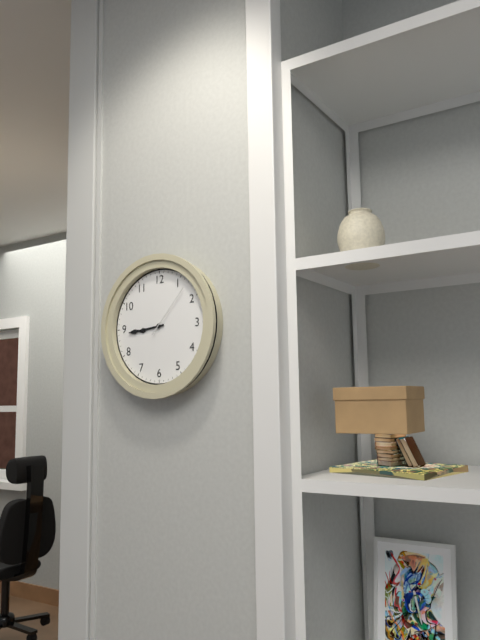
8.44.07
